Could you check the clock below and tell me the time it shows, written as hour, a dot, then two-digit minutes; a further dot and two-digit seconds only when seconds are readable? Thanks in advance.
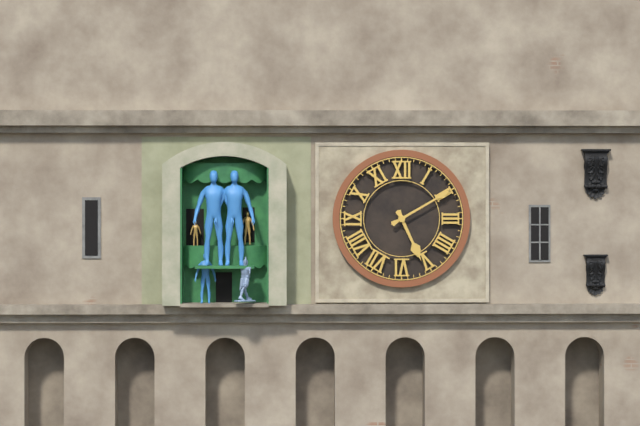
5.10
